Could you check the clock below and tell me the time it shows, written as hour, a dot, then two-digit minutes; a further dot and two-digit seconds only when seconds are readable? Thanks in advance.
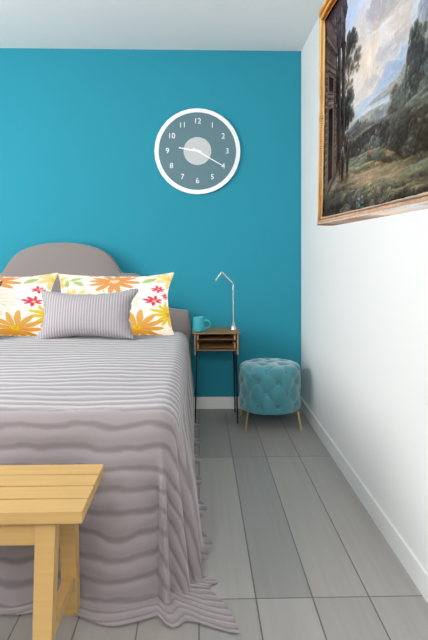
9.20
